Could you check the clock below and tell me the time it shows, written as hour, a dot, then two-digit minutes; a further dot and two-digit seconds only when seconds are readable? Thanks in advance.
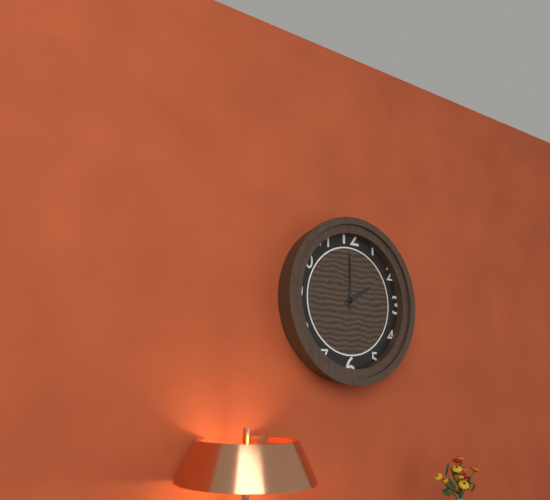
2.00
